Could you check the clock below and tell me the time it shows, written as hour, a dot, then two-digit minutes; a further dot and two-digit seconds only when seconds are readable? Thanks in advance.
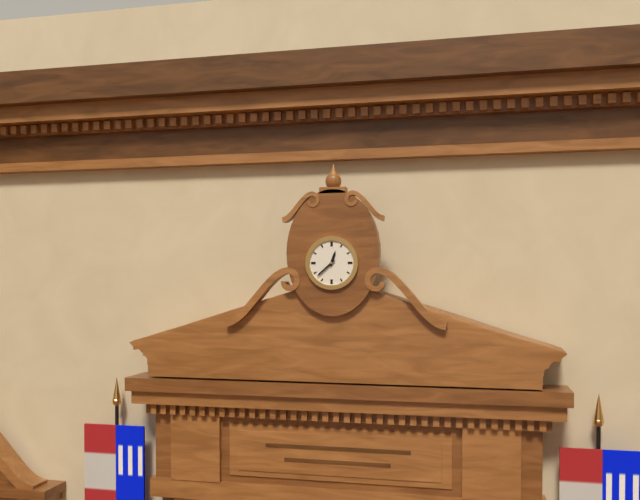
12.38
